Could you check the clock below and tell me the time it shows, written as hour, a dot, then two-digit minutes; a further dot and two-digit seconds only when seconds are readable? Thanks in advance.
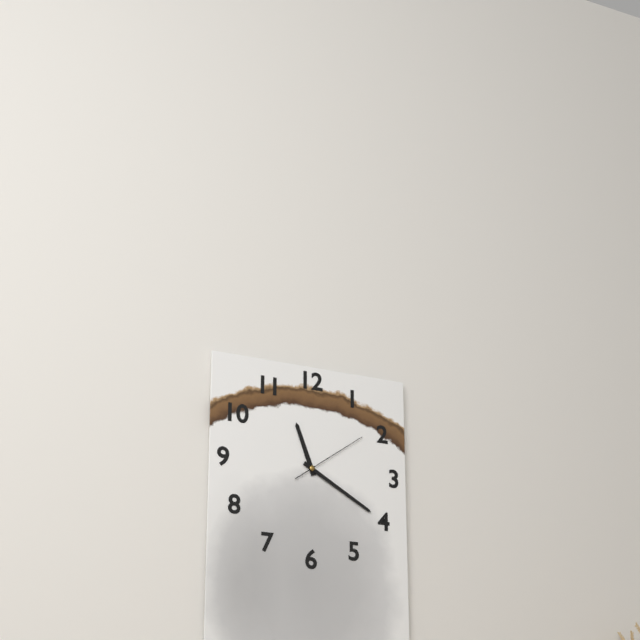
11.20.09
